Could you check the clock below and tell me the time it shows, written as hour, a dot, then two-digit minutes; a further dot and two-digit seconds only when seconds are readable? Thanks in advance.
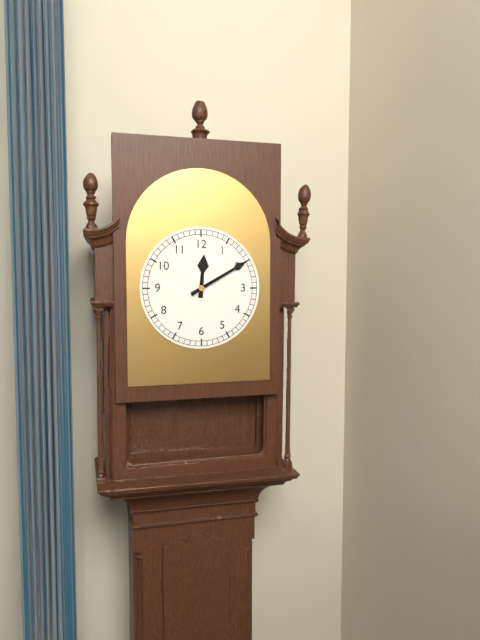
12.10
